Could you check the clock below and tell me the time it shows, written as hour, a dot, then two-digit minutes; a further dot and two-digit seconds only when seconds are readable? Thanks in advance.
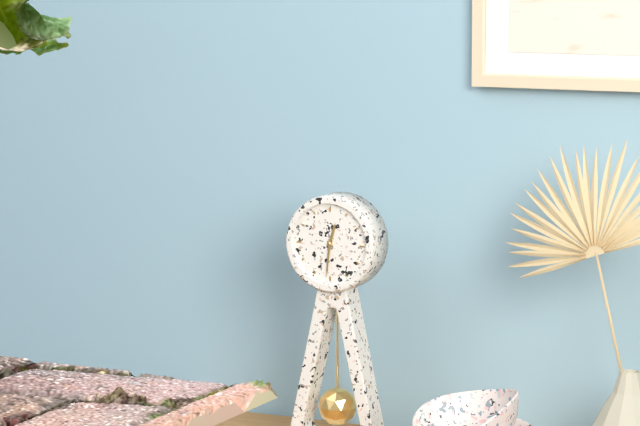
12.31
